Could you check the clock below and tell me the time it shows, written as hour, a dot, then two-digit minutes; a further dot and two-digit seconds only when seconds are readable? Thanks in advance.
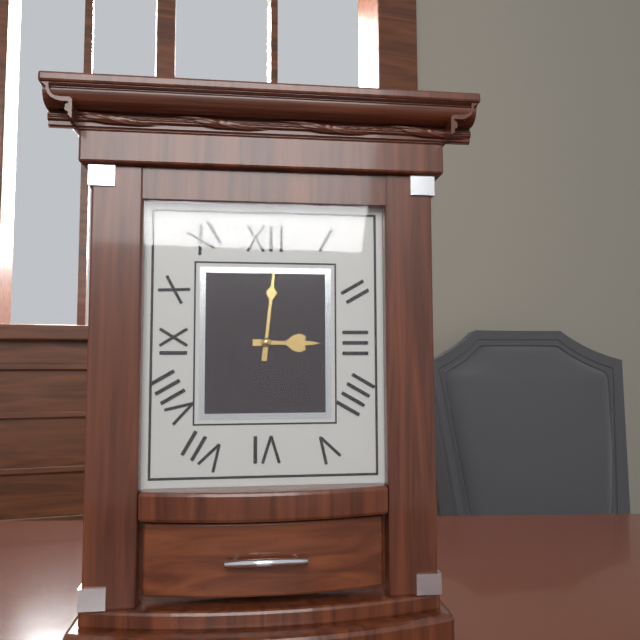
3.01
